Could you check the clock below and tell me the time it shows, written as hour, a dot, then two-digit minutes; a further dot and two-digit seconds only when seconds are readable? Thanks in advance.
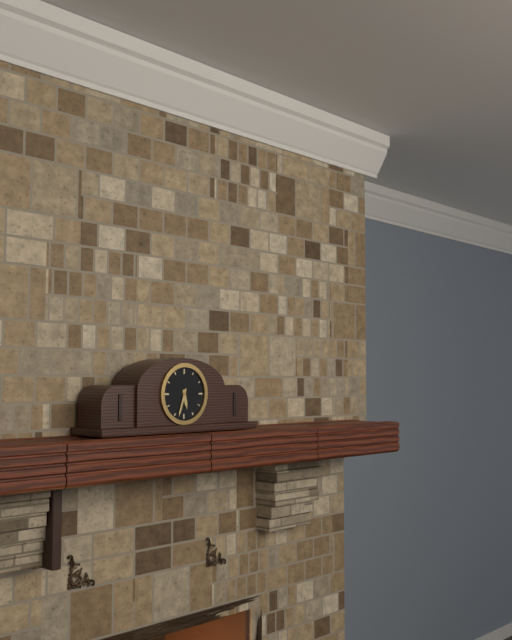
5.33
